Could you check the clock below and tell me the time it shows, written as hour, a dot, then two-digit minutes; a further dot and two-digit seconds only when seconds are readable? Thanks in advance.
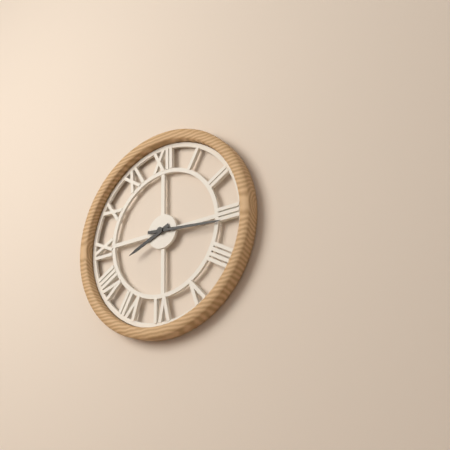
8.16
